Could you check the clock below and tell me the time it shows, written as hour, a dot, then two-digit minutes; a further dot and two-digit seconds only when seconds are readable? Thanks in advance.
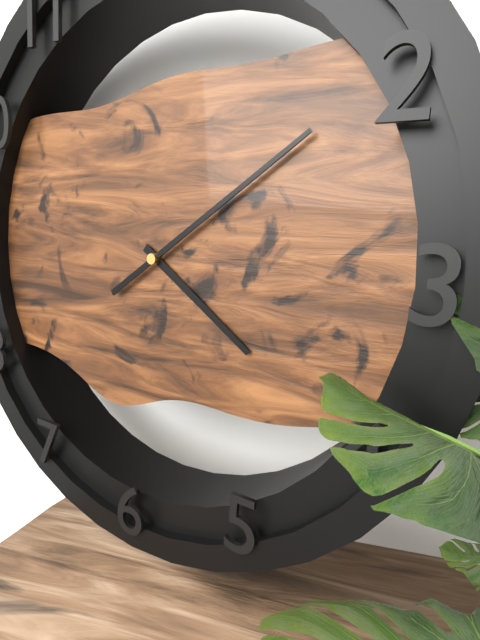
4.09
